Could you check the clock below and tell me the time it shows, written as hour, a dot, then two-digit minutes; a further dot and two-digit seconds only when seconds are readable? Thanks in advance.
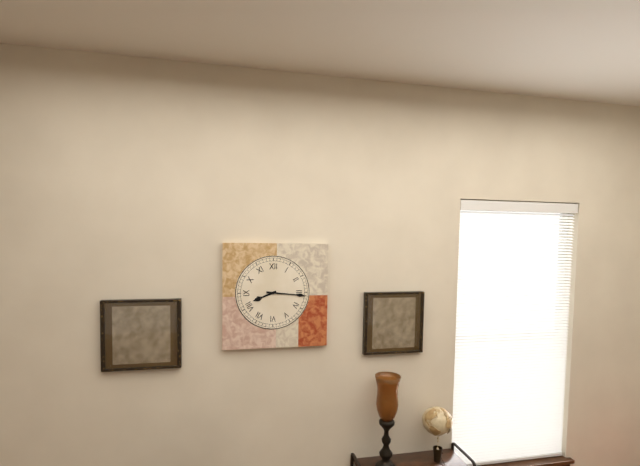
8.16
